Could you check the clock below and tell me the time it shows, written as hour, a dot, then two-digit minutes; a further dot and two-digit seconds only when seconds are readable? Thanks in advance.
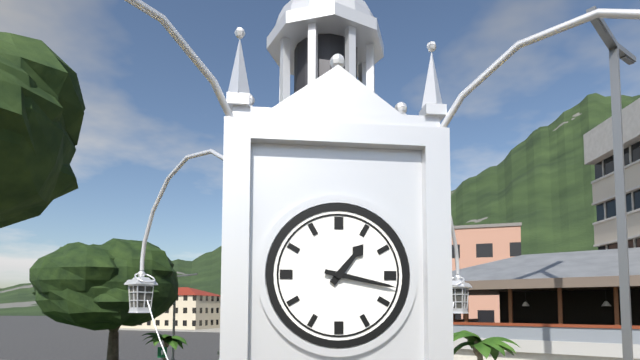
1.17
